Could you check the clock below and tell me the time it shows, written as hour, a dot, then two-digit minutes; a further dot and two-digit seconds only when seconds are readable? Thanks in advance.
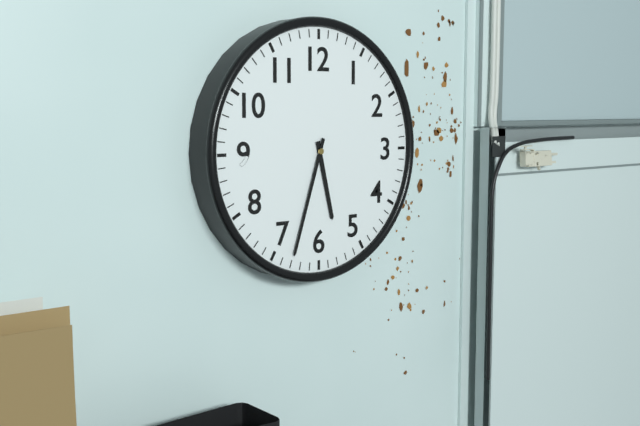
5.33
